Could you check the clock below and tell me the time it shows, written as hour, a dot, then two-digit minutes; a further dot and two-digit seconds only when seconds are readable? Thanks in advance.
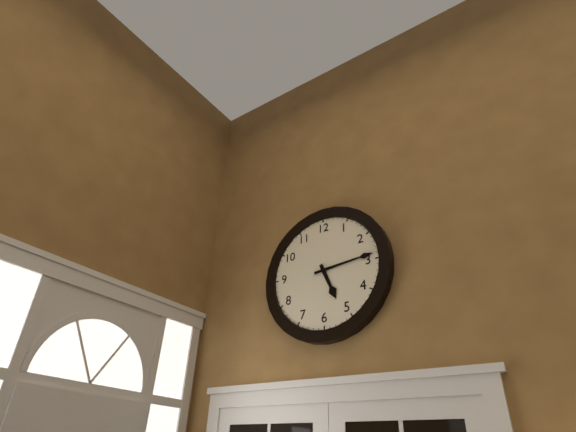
5.14
